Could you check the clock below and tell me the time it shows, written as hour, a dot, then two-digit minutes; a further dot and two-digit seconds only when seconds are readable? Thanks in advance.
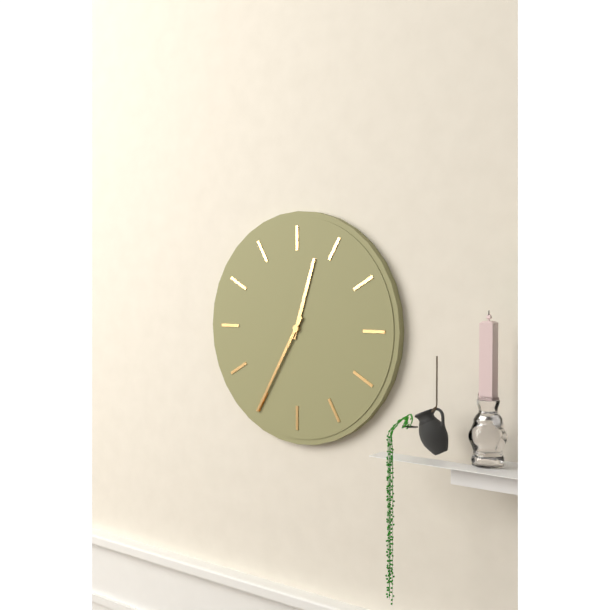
12.35
